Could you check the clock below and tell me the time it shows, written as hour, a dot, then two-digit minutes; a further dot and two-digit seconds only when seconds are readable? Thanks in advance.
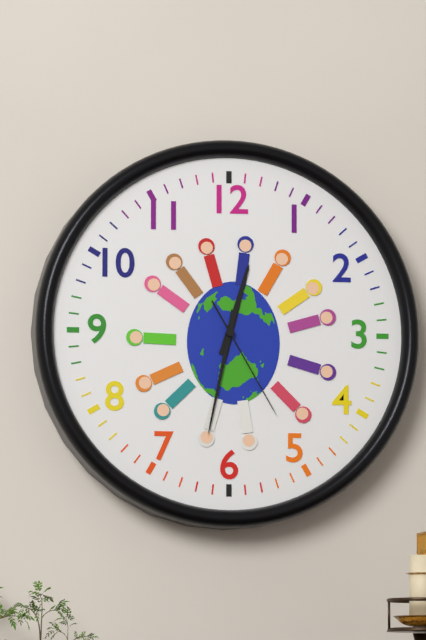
12.32.25
